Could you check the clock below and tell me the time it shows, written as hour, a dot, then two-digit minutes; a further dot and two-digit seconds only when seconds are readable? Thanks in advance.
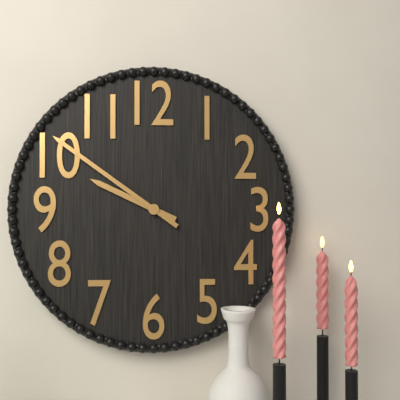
9.51
